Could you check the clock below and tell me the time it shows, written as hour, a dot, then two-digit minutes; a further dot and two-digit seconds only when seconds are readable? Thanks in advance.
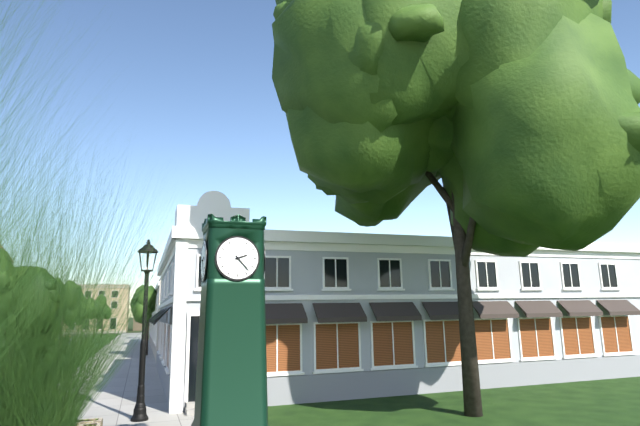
2.23
